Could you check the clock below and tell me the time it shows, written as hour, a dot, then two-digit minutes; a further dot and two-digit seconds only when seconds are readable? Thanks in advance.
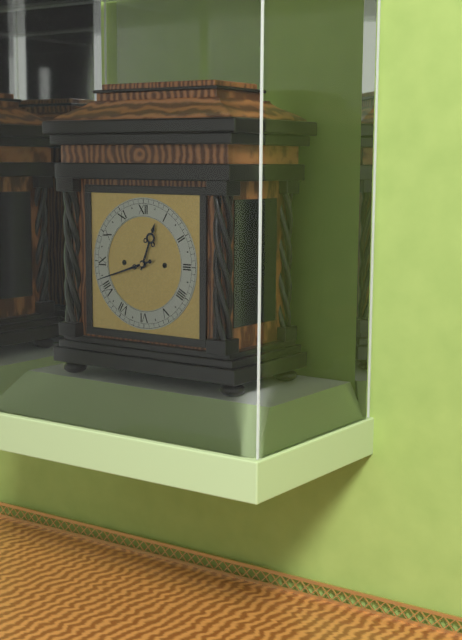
12.42
